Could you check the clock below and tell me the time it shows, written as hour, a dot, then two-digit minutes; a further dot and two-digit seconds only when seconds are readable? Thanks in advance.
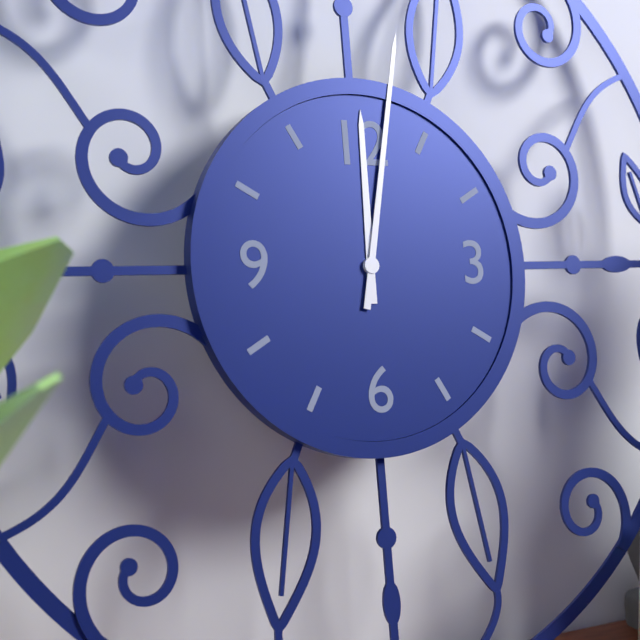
12.02
